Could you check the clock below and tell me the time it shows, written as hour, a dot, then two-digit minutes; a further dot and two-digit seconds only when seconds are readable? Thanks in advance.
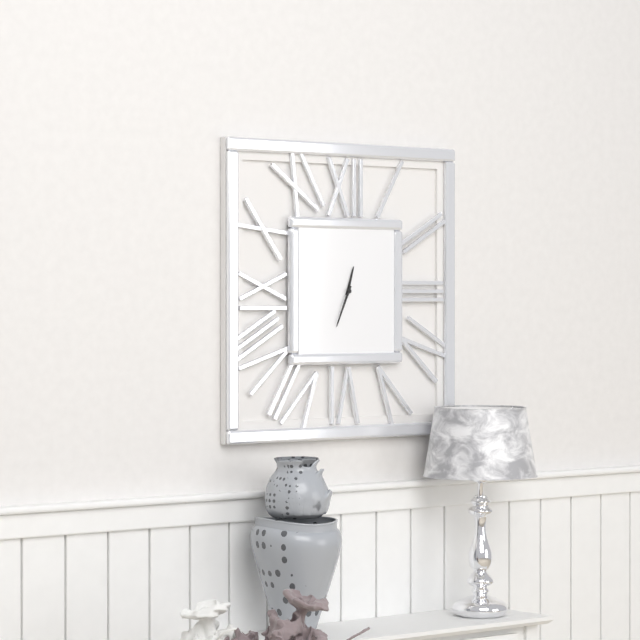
12.34
